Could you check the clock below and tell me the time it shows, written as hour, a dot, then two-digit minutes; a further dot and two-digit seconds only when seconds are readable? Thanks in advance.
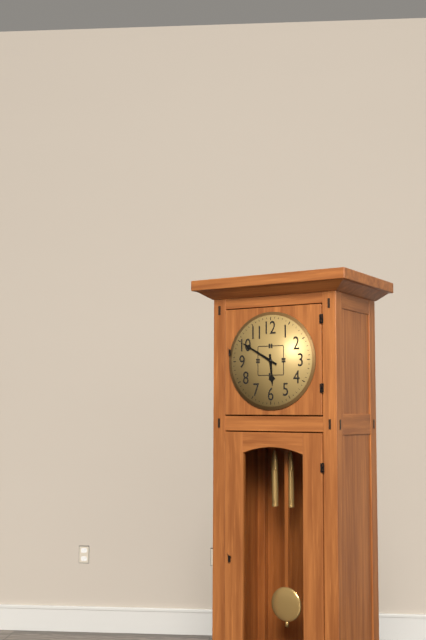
5.50
